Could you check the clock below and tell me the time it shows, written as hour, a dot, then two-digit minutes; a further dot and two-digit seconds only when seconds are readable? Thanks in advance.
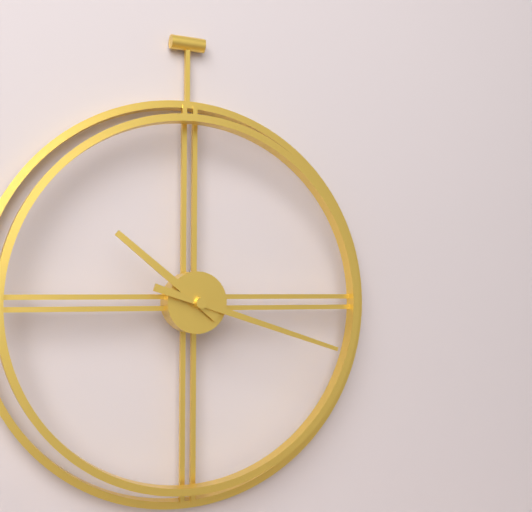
10.18
